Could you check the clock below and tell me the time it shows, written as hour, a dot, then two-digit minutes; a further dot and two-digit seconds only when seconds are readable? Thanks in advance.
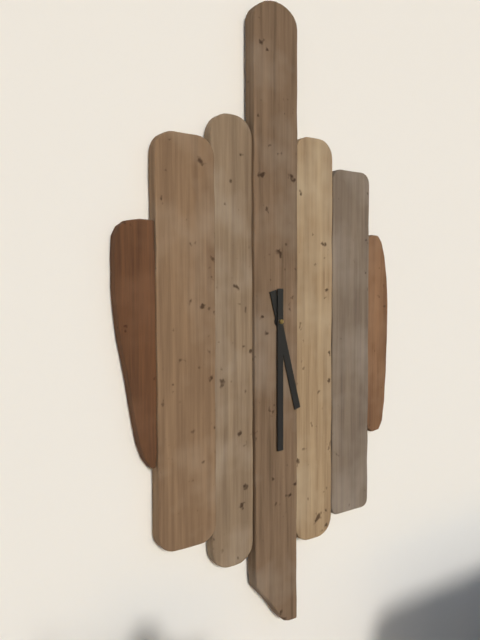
5.30
